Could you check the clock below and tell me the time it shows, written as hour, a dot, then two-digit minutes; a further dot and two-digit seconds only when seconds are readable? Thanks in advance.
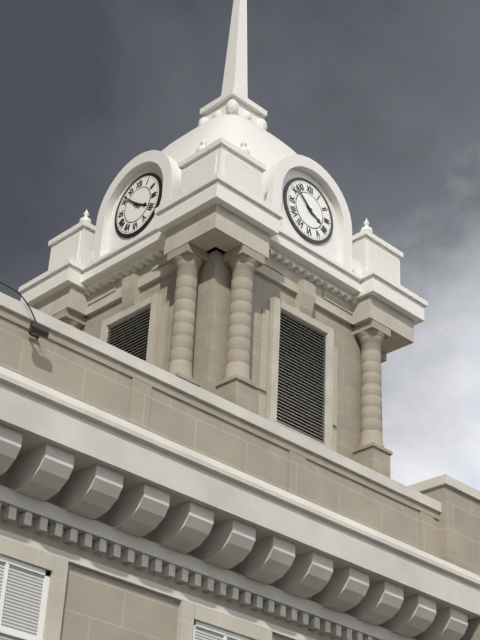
3.52
